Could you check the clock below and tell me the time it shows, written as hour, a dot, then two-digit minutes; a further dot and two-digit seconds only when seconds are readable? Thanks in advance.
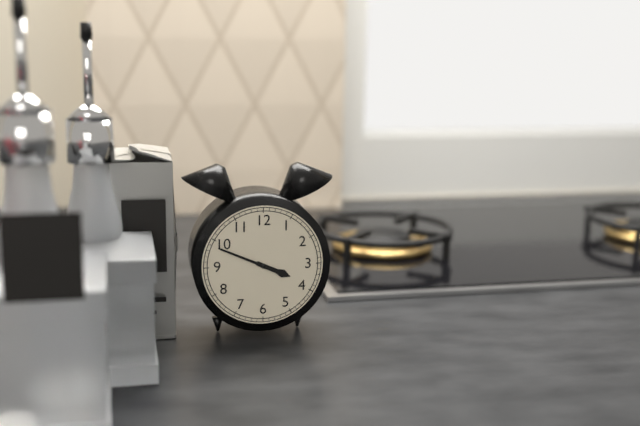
3.49
